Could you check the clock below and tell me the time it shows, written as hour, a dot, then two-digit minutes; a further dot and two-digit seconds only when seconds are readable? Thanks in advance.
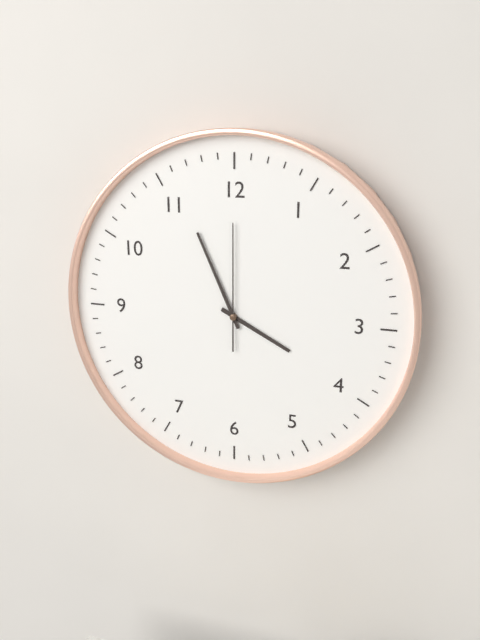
3.56.00
